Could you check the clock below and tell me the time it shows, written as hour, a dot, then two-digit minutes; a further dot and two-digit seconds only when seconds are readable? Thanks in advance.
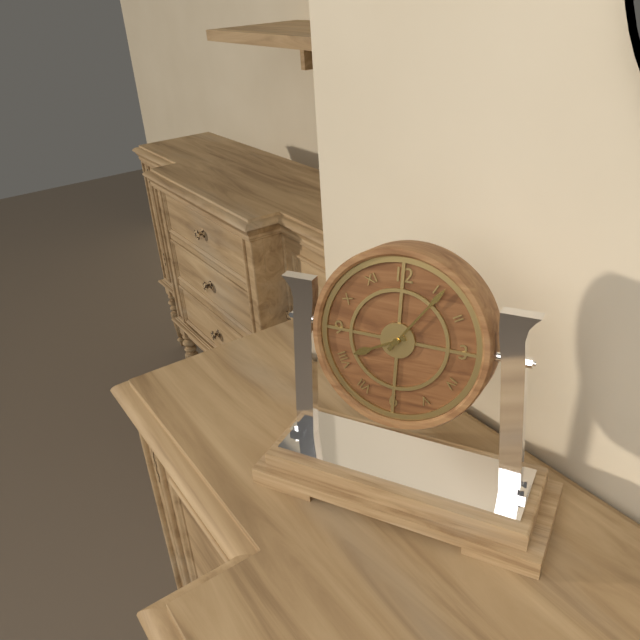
8.06
